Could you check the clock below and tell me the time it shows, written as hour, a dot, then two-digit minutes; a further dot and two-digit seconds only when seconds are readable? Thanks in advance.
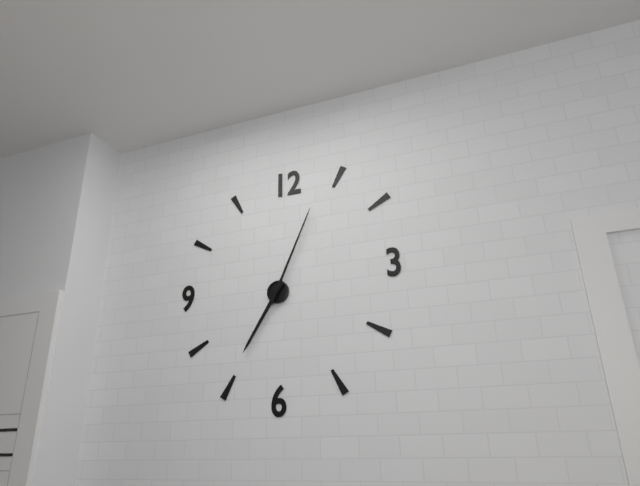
7.04
